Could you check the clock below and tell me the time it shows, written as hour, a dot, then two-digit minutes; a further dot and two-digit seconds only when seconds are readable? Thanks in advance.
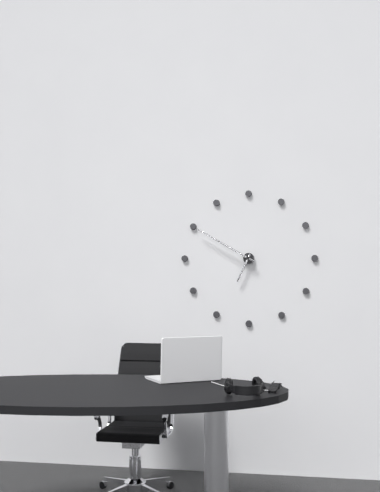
6.50
